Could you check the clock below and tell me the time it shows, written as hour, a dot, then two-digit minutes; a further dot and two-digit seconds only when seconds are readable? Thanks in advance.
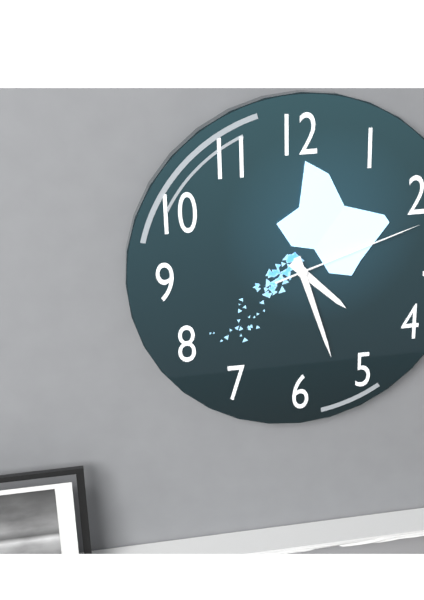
4.27.12
